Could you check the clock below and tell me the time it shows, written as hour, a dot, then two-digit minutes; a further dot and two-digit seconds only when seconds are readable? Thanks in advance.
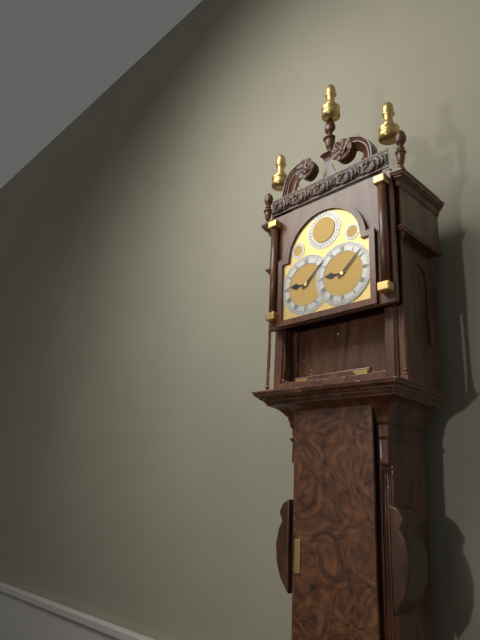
9.08
